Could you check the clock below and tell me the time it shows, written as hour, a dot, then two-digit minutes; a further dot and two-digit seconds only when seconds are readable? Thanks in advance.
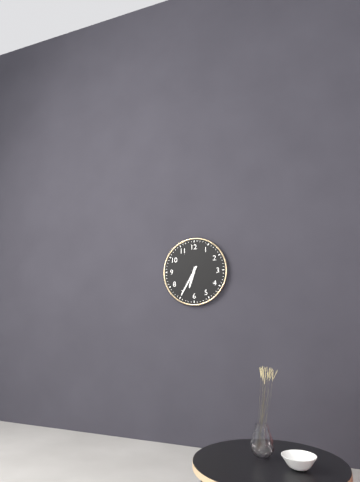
6.35
